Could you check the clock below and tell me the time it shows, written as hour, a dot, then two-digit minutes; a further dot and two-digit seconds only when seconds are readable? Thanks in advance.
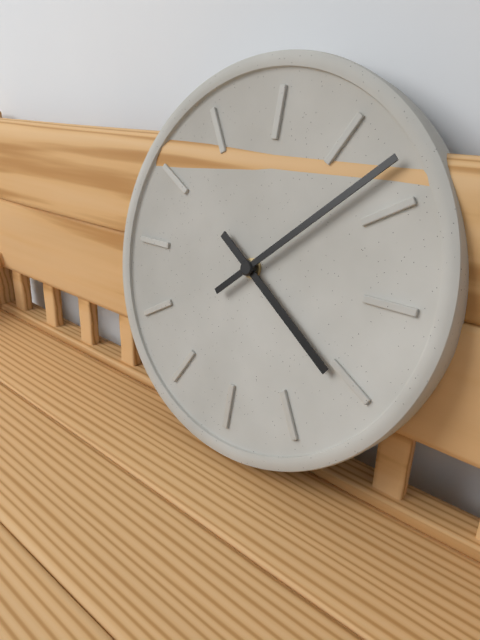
4.08
